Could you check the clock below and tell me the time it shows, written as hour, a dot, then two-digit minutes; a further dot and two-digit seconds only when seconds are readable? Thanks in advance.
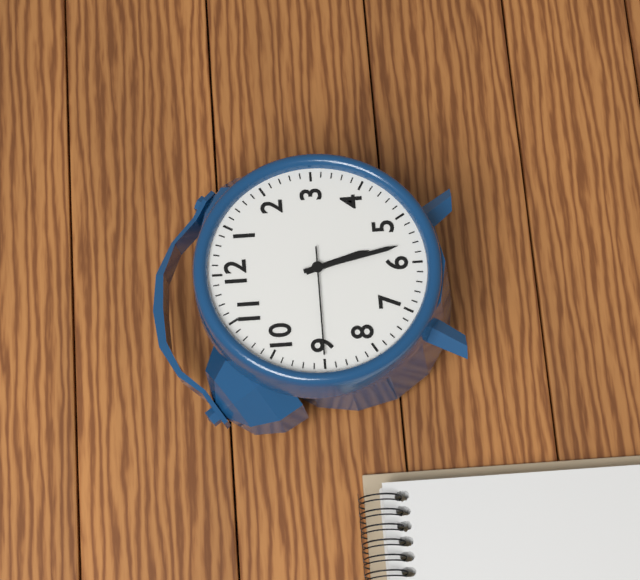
5.28.45
